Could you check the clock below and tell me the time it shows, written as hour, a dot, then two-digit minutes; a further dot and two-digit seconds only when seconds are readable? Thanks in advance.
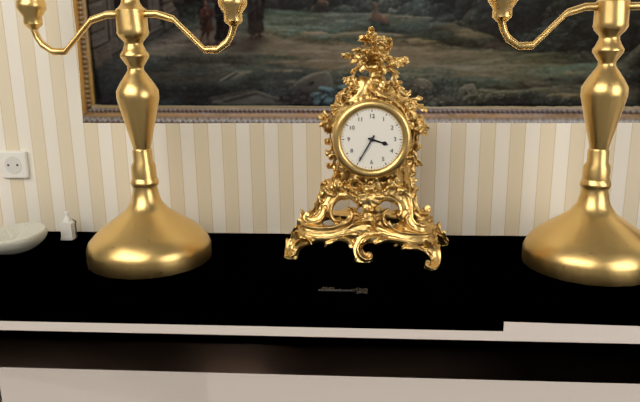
3.35
